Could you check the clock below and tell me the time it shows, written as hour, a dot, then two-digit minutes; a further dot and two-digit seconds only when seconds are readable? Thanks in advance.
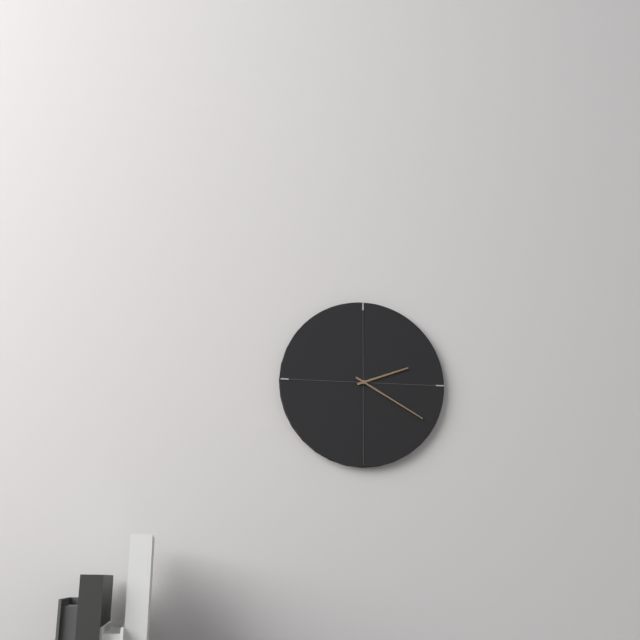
2.20
